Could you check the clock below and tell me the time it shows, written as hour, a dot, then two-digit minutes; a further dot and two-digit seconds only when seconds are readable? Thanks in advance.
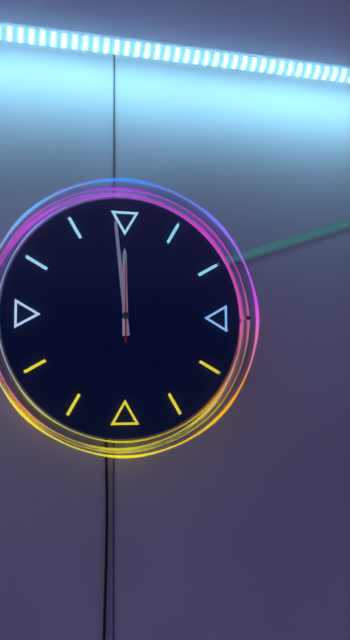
11.59.00
